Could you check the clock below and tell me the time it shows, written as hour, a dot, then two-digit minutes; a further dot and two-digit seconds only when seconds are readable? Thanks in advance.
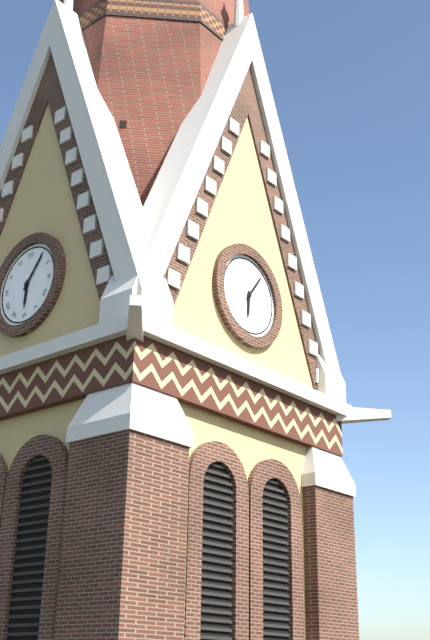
6.06
